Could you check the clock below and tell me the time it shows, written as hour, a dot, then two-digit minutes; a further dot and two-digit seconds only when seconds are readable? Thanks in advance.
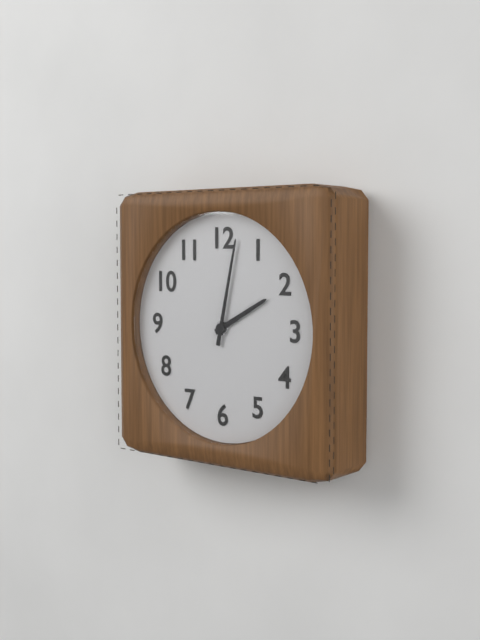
2.02
